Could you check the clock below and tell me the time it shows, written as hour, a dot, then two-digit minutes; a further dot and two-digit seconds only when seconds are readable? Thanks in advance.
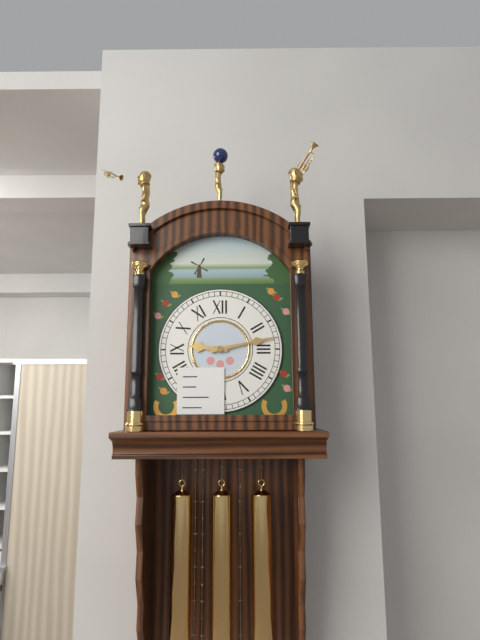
9.13
